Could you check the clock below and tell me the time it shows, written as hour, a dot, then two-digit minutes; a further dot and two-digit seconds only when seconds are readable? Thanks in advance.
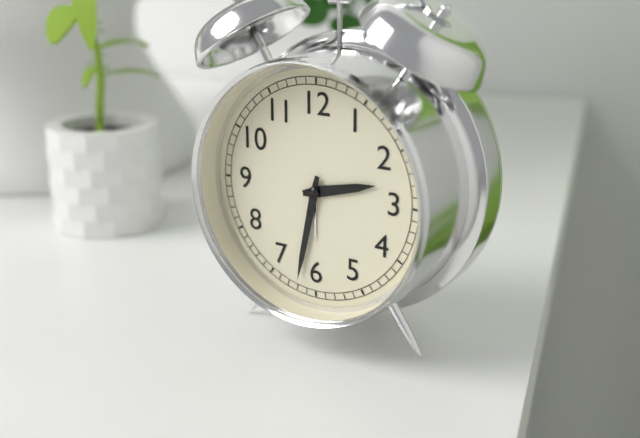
2.32
